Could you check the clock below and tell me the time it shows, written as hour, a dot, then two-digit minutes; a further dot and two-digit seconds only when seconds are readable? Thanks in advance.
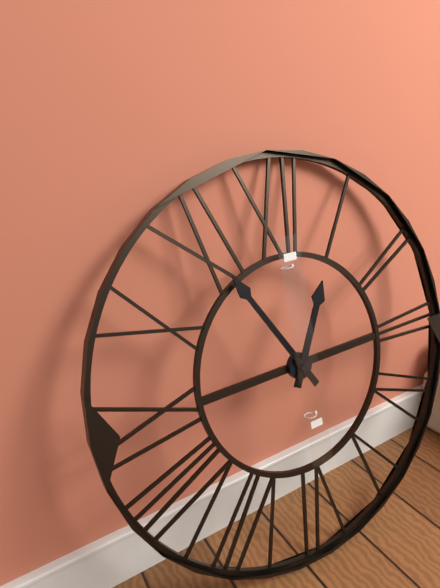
12.55
